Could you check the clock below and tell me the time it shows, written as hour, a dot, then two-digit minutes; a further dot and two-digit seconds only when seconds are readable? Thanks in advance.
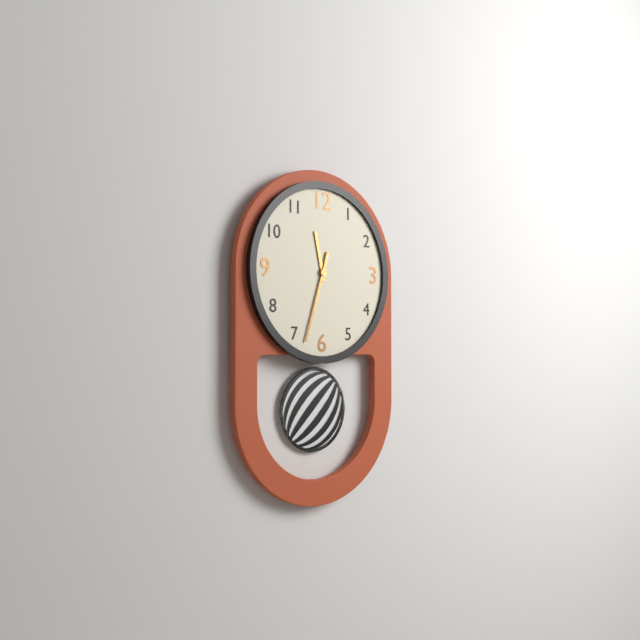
11.33
